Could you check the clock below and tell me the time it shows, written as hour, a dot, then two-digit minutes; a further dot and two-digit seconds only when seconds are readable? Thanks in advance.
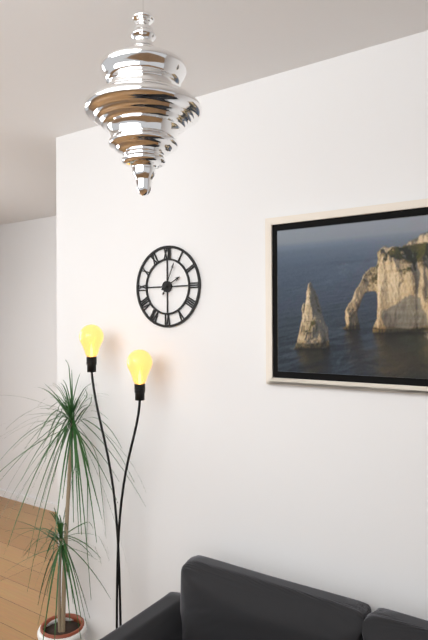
2.04
